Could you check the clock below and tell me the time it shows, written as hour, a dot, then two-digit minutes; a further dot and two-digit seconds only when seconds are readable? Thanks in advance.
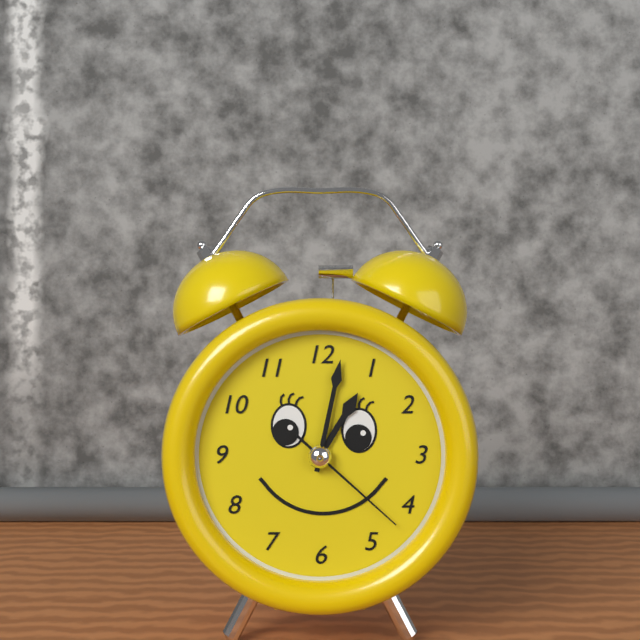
1.02.22
